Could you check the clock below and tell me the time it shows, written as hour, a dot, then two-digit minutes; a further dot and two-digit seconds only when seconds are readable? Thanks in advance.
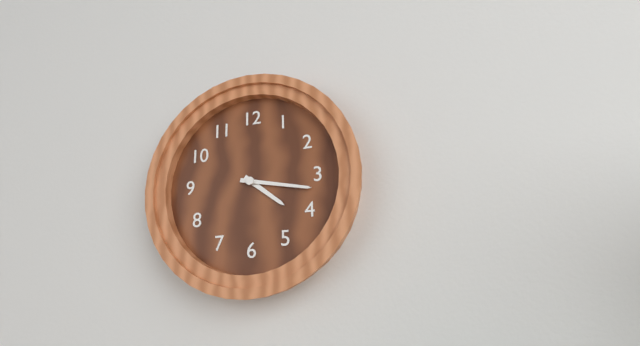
4.17
